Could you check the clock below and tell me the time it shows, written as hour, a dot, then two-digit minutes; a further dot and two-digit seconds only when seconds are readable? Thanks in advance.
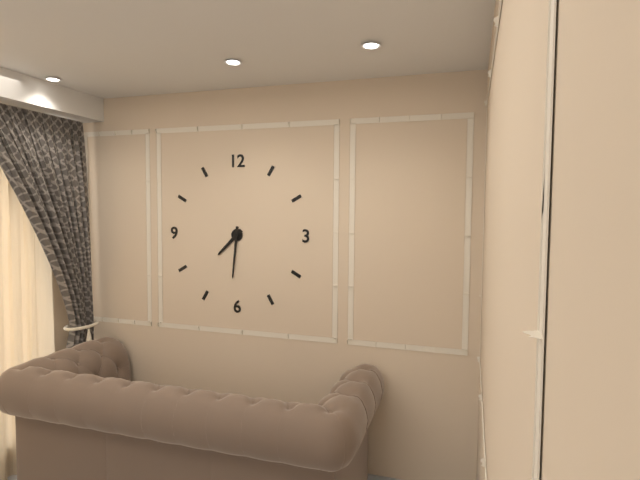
7.31
